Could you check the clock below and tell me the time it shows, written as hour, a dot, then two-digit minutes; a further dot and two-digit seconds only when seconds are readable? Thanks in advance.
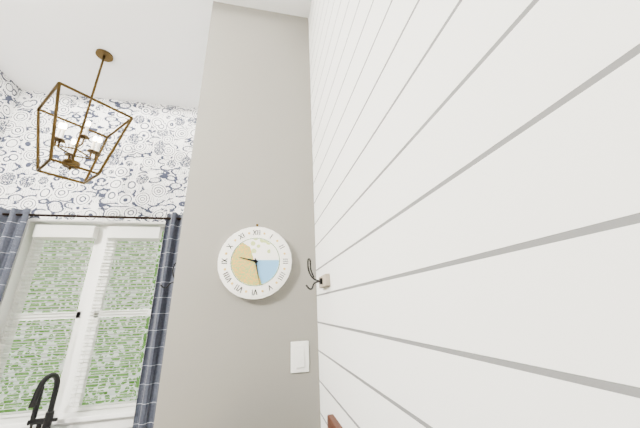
9.28
